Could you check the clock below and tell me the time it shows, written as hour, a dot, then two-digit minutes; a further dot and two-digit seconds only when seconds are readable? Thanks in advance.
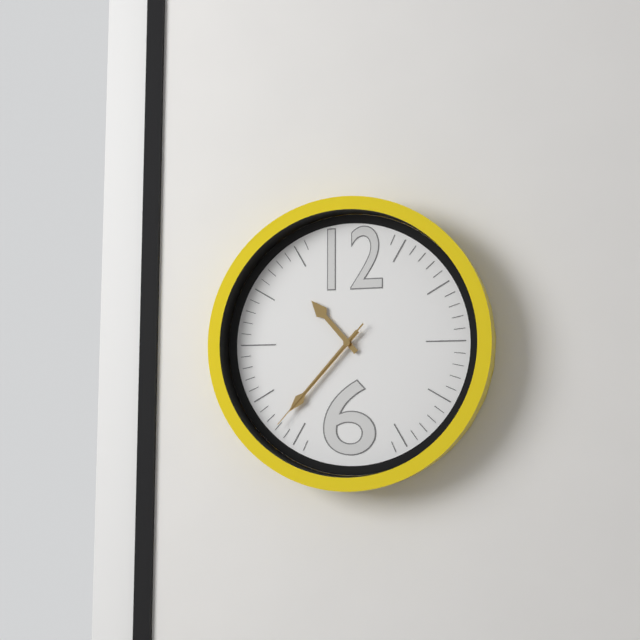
10.37.37
